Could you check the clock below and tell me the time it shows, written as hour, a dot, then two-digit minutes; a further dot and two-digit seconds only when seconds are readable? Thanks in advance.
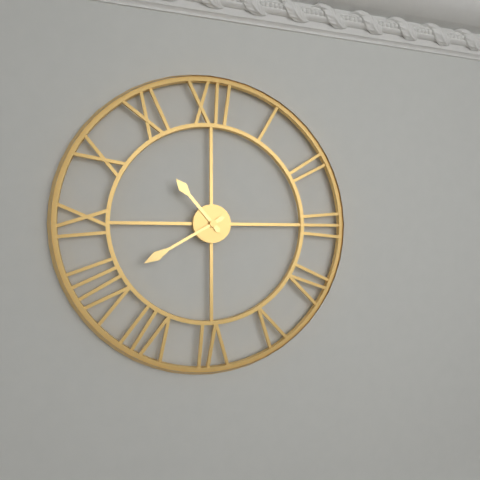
10.40
